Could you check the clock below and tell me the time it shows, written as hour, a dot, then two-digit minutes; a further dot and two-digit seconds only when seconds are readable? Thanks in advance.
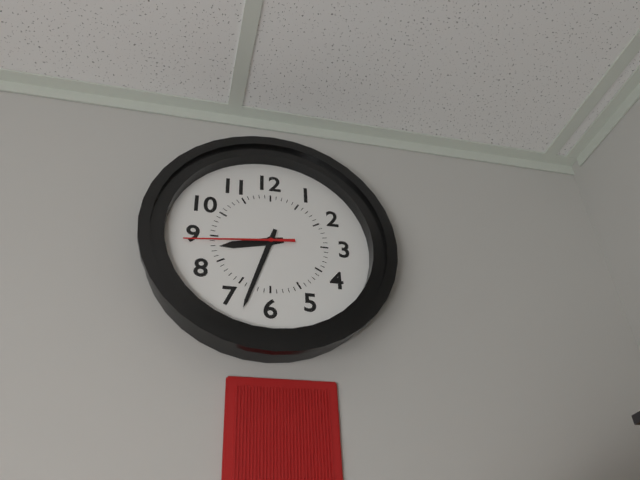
8.33.44
